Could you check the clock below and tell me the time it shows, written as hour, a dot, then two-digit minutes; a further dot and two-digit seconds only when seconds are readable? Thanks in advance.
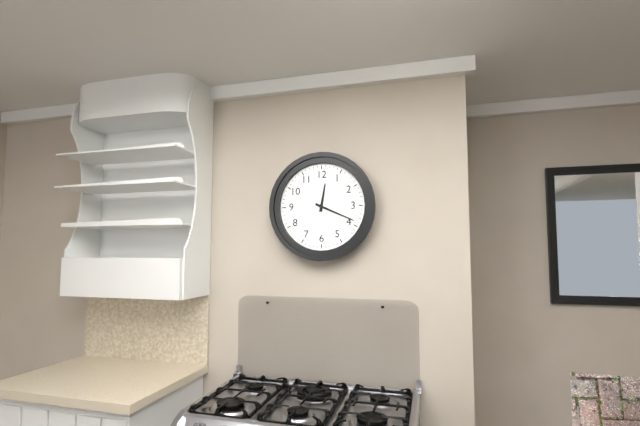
12.19
